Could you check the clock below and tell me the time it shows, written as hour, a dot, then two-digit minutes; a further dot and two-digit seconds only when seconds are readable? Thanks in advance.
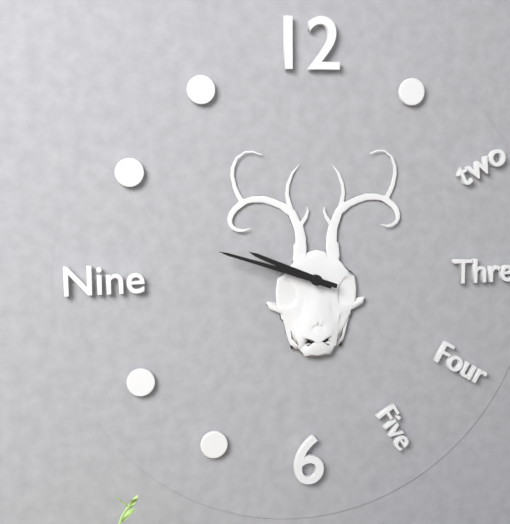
9.48
